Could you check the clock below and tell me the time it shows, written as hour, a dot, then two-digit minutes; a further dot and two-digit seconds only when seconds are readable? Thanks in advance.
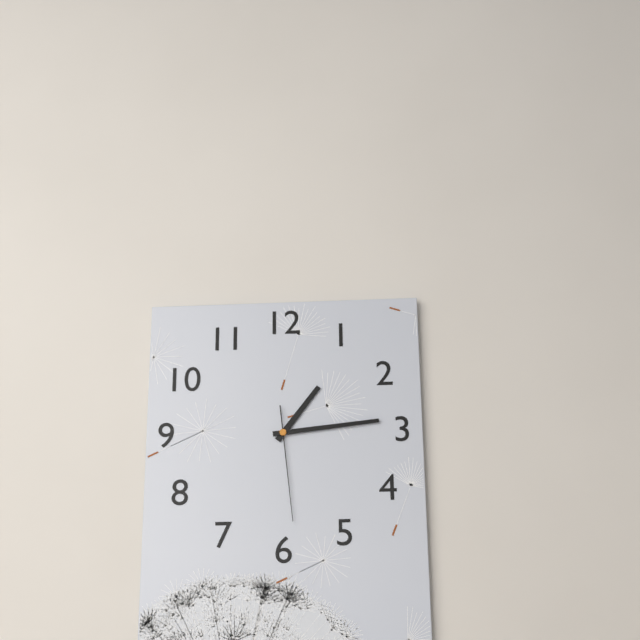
1.14.29
